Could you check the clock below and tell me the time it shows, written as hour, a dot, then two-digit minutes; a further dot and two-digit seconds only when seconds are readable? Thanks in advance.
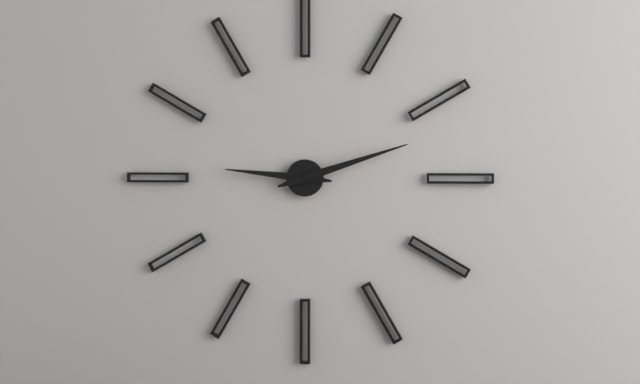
9.12
